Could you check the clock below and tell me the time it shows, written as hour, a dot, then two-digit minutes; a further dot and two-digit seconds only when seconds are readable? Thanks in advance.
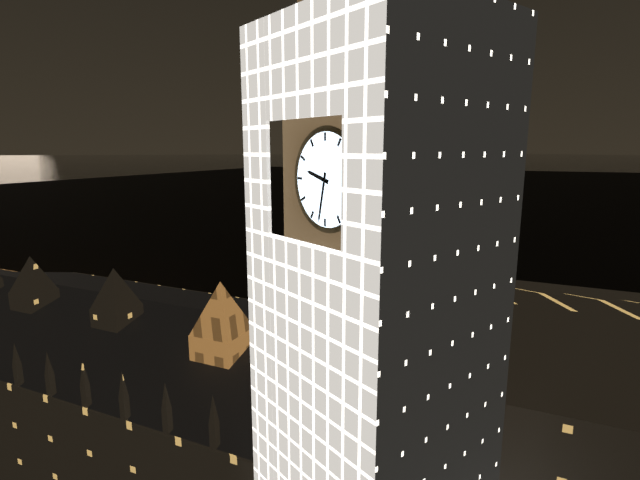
9.32
